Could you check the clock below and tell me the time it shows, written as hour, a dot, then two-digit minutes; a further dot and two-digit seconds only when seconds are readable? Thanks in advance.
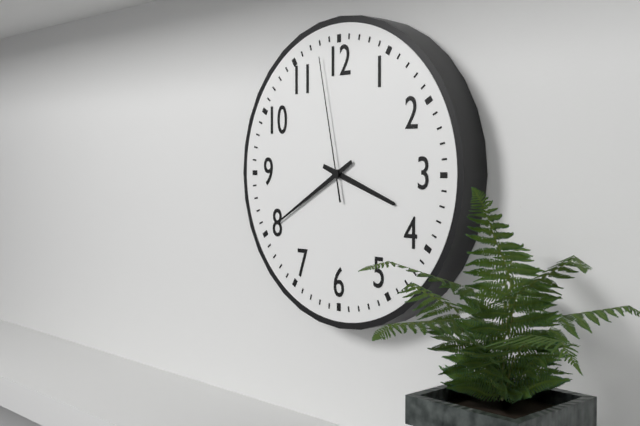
3.40.58
